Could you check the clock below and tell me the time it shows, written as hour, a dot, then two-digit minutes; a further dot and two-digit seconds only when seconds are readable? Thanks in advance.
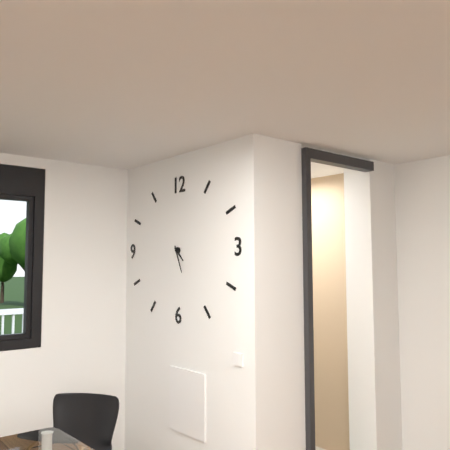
4.26
